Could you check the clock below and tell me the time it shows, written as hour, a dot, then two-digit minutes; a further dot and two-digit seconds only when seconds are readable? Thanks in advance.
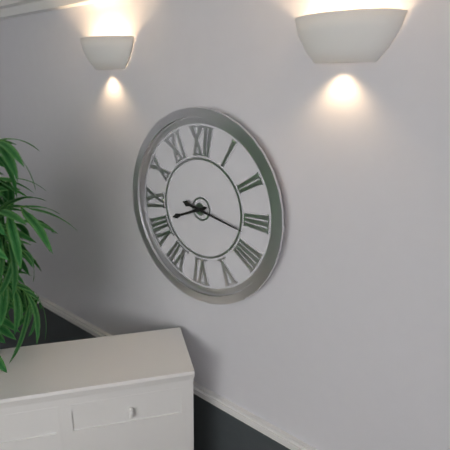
8.17
